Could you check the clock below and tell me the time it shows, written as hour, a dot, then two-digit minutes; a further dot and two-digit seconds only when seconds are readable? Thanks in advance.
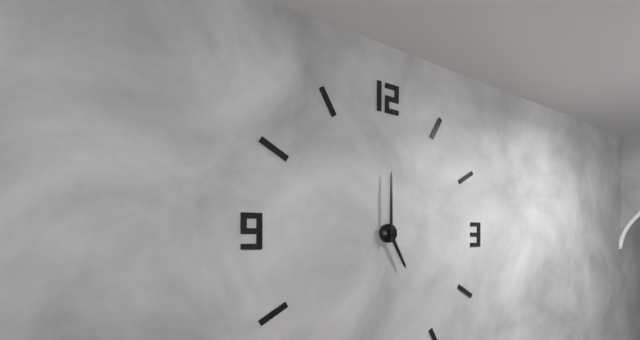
5.00
